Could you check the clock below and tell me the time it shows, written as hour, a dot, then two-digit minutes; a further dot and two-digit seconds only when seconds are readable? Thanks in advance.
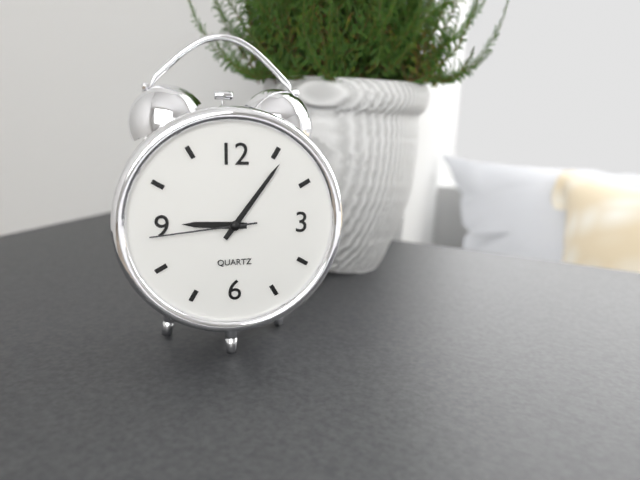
9.06.44
